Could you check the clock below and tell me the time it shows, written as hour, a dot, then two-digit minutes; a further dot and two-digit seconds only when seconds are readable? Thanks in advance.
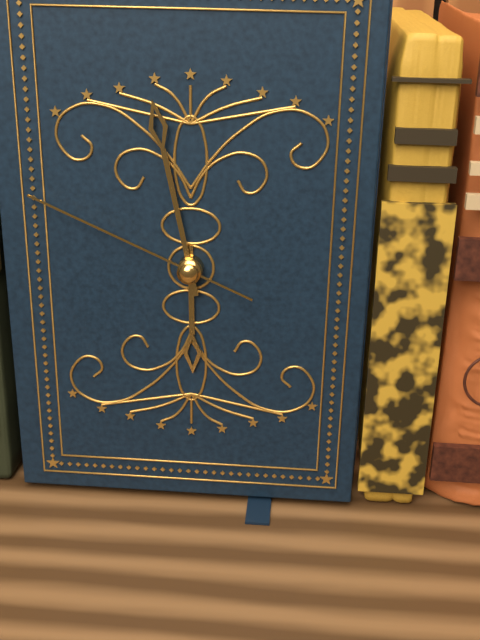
5.58.49
